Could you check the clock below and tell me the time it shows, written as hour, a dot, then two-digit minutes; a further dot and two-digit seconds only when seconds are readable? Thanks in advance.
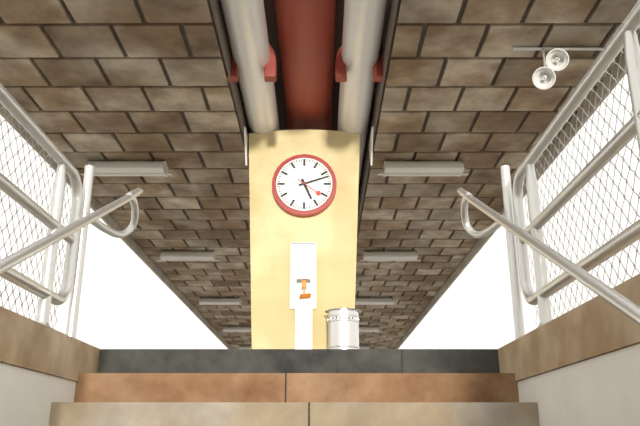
5.12
